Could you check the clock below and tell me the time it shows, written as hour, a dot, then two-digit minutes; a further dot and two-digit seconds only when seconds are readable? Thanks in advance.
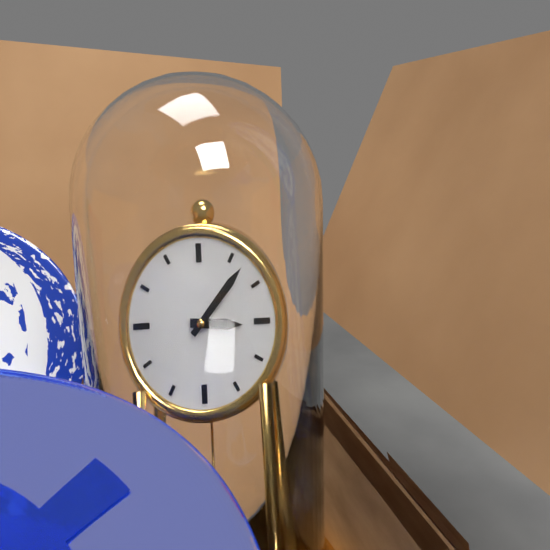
3.07
